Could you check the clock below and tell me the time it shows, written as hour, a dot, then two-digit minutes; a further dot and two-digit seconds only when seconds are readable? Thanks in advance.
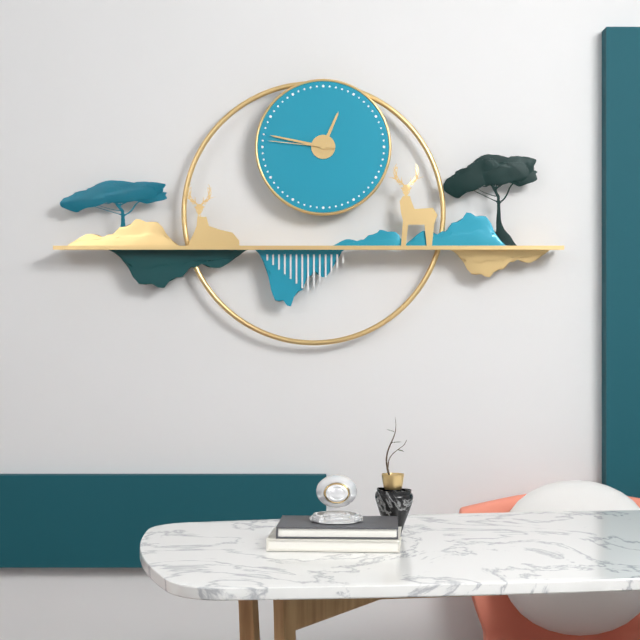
12.47.46
